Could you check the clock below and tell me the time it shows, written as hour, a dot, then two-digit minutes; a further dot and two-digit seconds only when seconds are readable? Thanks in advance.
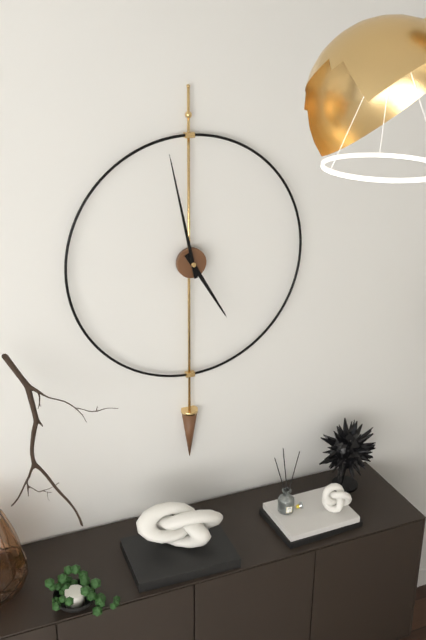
4.58
